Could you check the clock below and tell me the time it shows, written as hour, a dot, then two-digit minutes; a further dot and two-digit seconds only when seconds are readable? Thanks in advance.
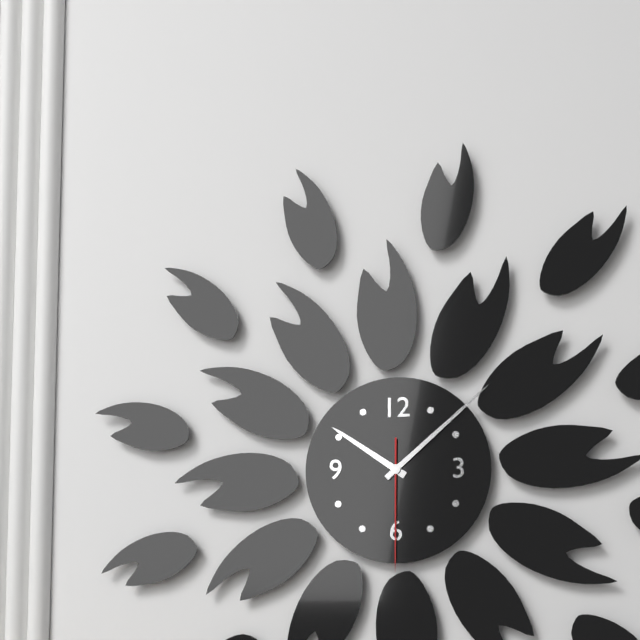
10.08.30
